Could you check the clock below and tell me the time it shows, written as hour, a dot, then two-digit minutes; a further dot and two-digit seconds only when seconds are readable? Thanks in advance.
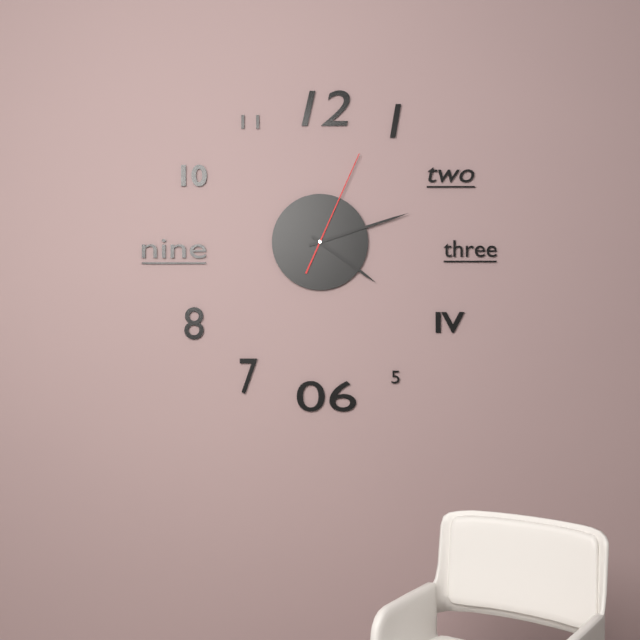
4.12.04
